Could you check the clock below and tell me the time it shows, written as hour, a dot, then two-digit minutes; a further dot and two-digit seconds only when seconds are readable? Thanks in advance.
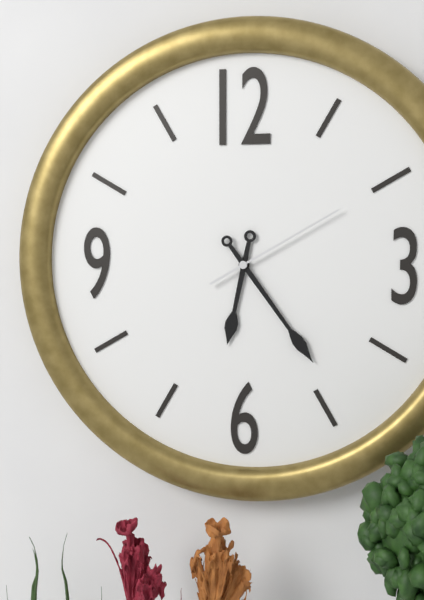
6.24.10
